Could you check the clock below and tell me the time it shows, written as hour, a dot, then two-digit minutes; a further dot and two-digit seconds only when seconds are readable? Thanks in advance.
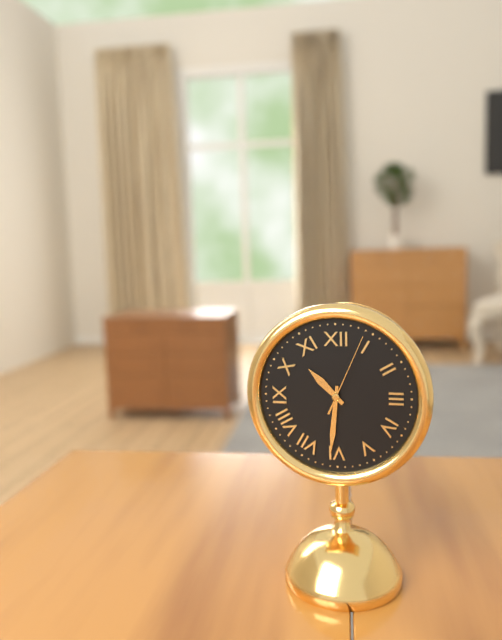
10.31.04
